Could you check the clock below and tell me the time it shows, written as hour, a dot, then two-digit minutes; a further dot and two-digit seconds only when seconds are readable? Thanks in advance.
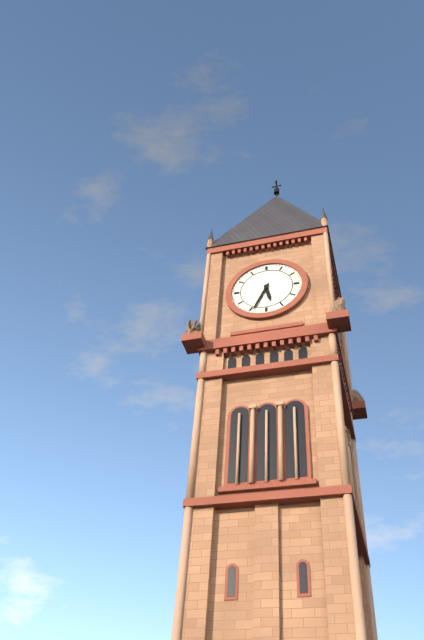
5.34
